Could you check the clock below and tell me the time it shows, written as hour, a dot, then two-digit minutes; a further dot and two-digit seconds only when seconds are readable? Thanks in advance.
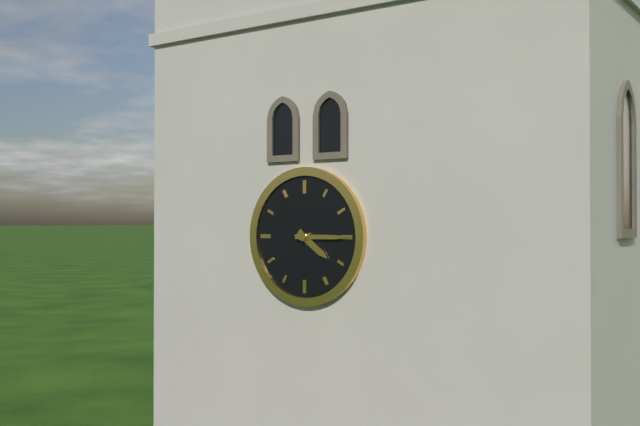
4.15
